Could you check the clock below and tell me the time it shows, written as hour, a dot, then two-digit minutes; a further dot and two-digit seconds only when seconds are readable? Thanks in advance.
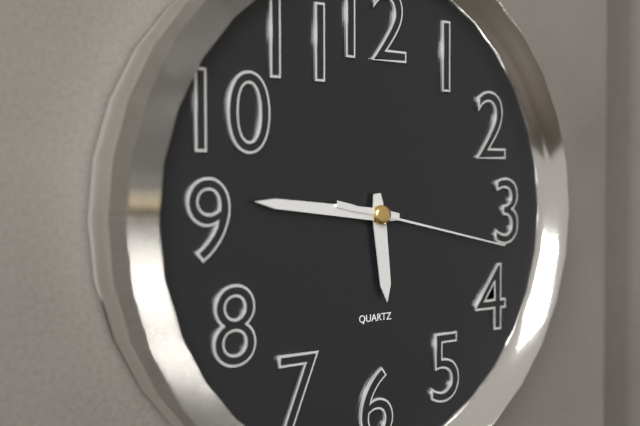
5.46.17
